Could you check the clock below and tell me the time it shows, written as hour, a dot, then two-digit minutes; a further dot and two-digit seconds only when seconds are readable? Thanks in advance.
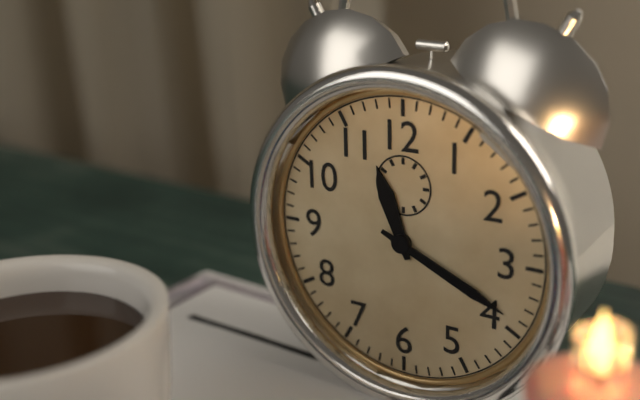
11.19
